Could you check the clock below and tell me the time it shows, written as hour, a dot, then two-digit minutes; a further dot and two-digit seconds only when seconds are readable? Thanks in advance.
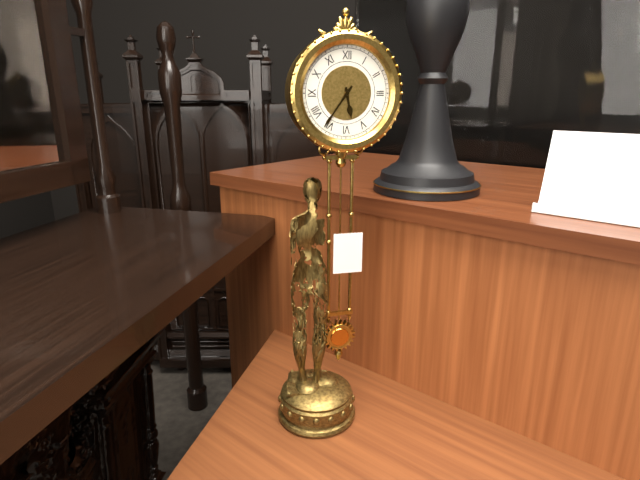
5.36
